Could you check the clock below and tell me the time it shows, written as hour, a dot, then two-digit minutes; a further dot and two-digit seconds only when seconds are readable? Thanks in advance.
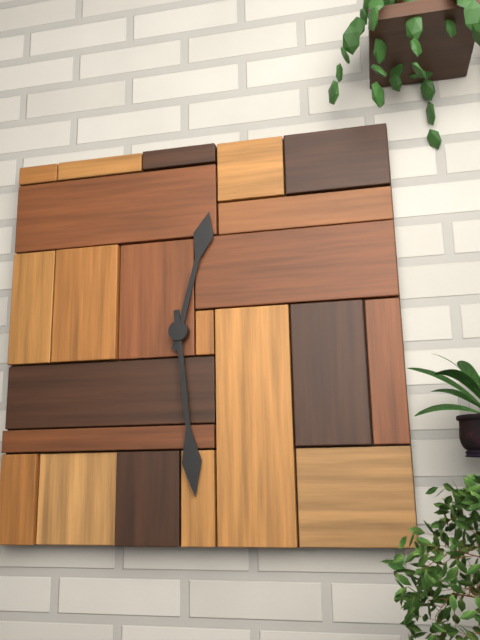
12.29
